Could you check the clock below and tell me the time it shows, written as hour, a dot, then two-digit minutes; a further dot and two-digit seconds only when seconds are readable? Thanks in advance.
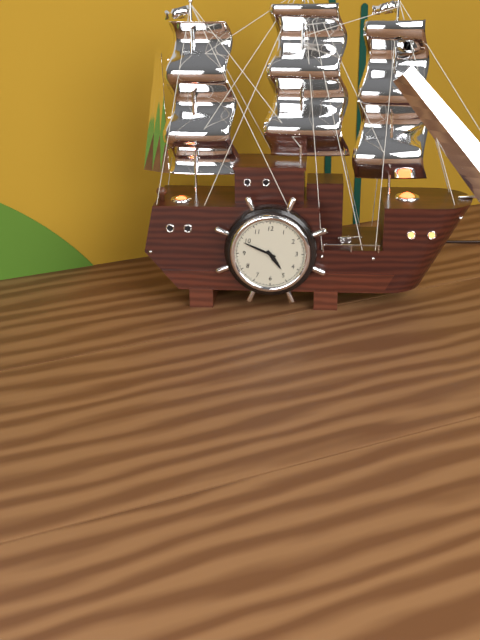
4.49
